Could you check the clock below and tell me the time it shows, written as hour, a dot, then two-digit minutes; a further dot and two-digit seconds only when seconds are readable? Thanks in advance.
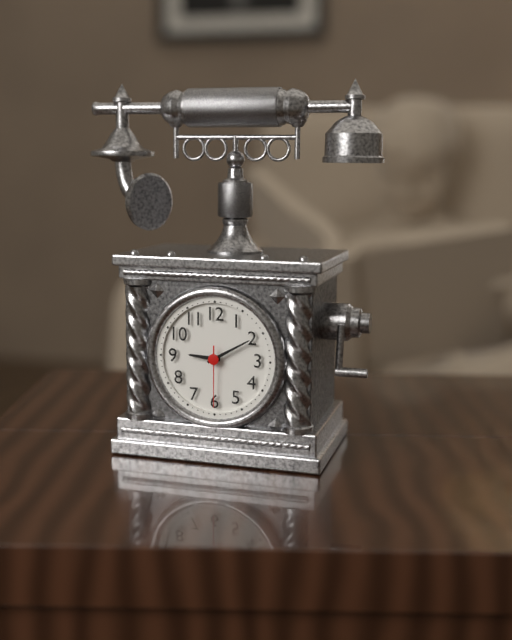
9.10.30
